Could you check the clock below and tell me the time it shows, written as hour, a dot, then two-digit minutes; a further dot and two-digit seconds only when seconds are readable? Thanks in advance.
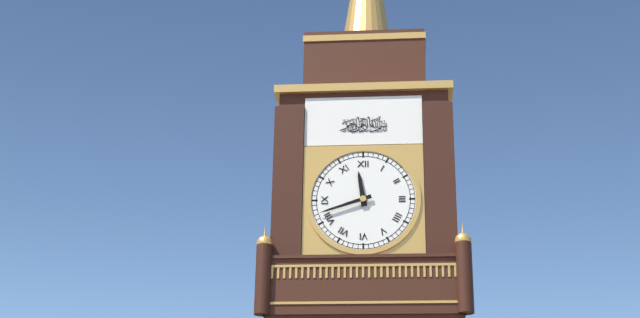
11.42
